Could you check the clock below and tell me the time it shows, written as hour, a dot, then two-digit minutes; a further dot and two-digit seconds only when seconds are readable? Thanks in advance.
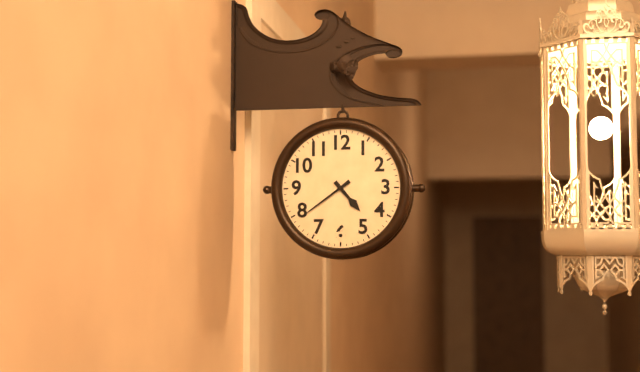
4.39
